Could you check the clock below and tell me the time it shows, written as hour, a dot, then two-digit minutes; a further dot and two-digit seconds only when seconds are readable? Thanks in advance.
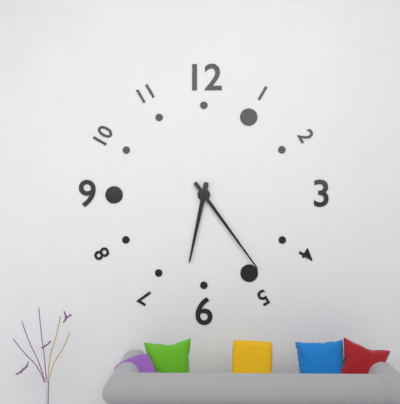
6.24
